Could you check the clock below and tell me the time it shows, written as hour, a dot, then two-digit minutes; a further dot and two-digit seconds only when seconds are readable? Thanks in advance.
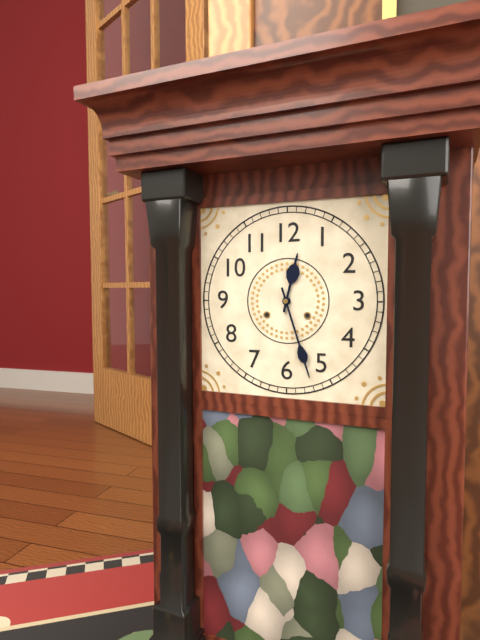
12.27
